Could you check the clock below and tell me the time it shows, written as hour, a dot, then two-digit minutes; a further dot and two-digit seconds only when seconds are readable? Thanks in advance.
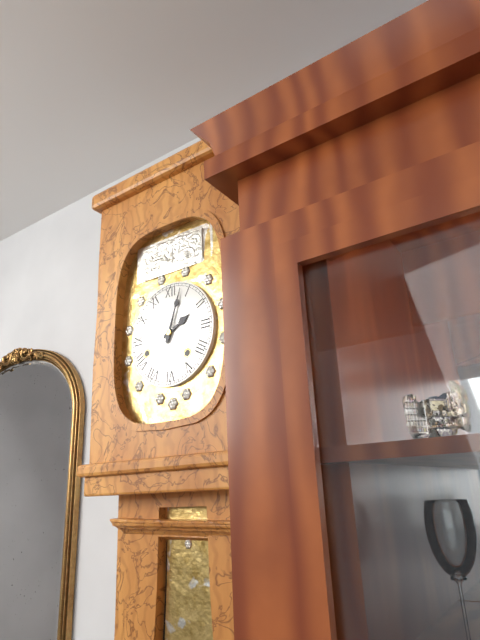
2.03
